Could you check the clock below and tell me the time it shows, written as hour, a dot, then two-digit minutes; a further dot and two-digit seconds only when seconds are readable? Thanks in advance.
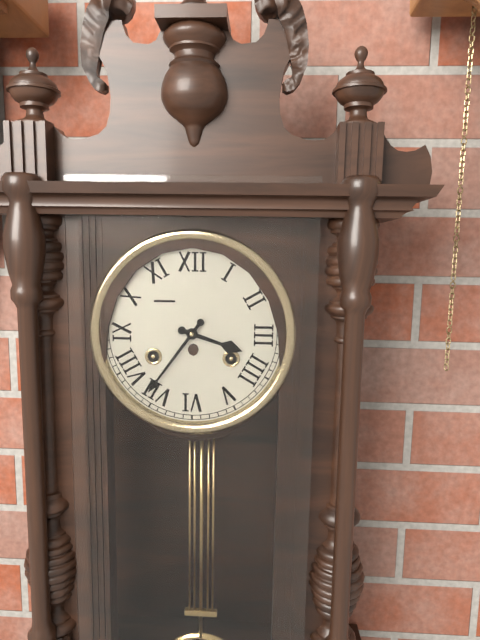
3.36
